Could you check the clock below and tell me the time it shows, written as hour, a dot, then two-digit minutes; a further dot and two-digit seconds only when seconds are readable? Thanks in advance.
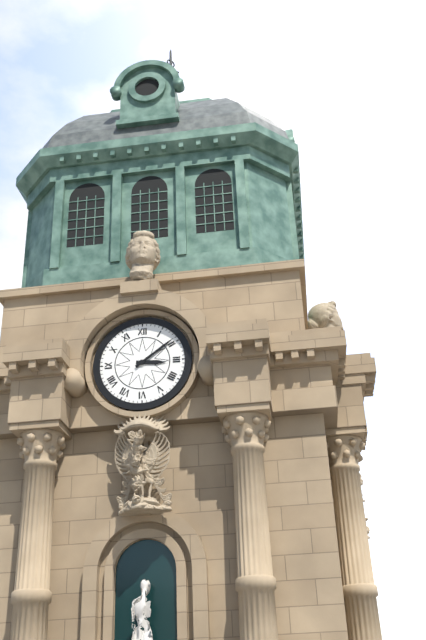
3.09
